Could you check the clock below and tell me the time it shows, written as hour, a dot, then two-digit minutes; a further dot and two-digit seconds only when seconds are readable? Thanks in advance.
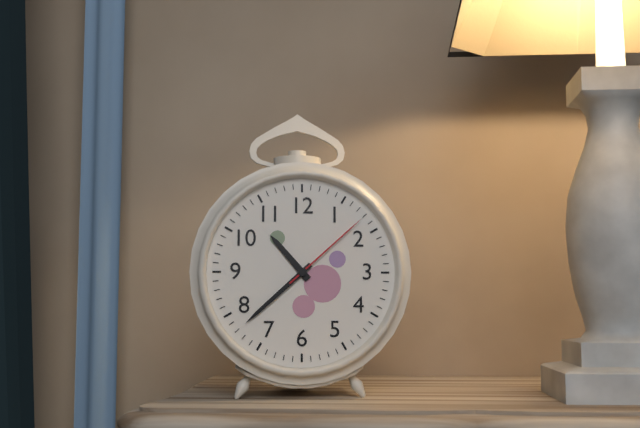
10.38.08
